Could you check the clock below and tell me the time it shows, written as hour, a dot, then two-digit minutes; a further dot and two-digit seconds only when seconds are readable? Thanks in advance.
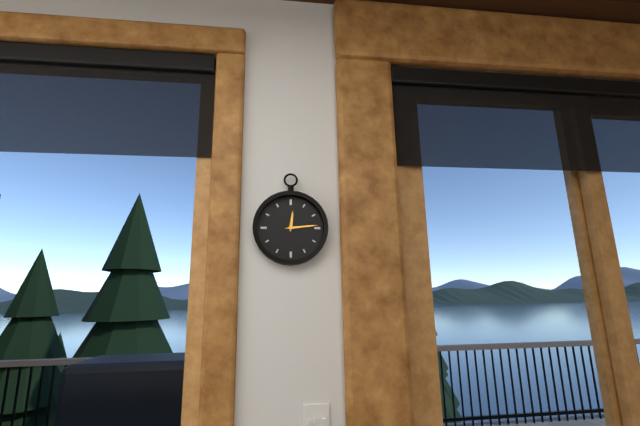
12.14
